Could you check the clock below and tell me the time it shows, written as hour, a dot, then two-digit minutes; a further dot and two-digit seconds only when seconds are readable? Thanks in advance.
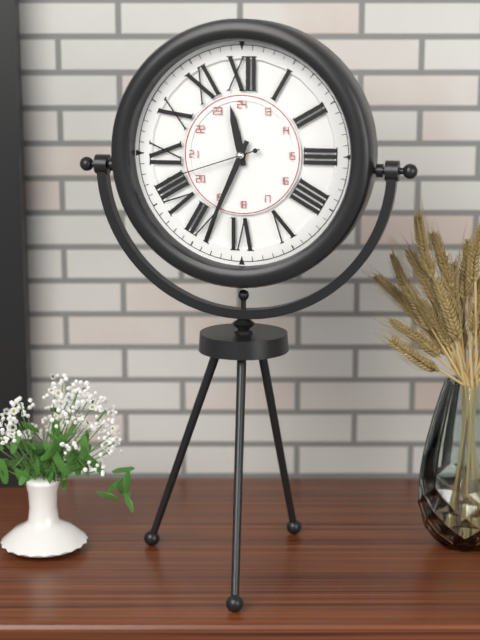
11.34.42
